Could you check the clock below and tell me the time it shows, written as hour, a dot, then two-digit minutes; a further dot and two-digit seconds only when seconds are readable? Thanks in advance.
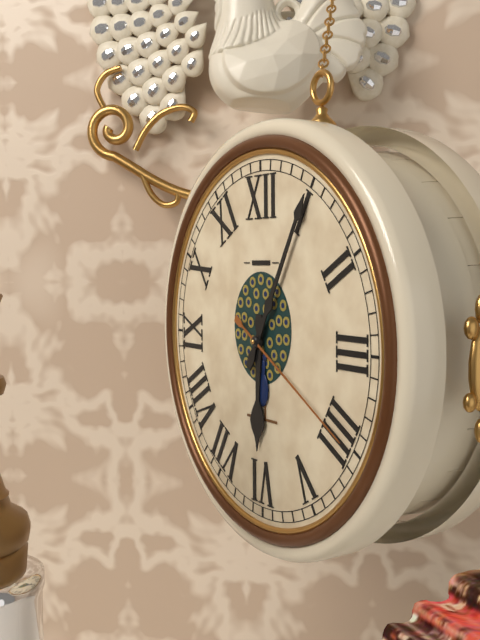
6.05.20
